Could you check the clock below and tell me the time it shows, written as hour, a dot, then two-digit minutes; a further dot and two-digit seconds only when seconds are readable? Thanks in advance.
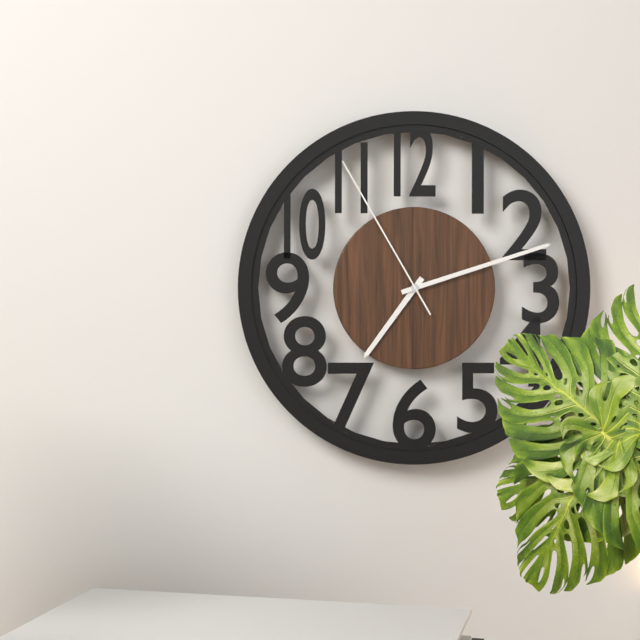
7.12.55
